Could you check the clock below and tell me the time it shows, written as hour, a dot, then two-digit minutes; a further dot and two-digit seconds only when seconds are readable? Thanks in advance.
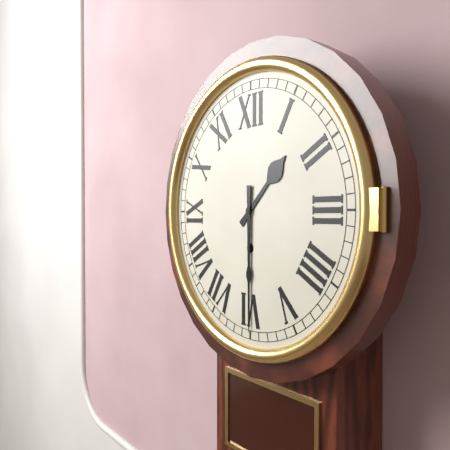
1.30
